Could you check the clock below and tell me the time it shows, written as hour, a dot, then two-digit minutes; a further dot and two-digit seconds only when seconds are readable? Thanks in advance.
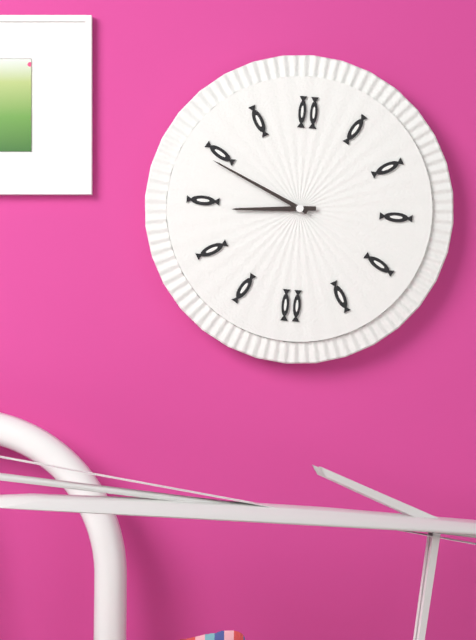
8.49
